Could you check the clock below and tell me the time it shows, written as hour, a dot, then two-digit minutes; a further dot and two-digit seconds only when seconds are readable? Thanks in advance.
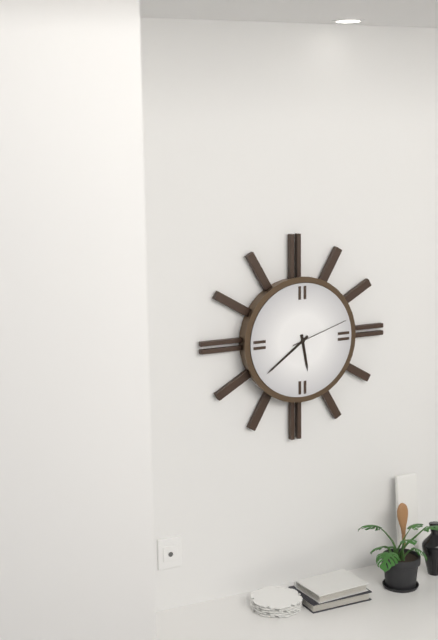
5.39.12
